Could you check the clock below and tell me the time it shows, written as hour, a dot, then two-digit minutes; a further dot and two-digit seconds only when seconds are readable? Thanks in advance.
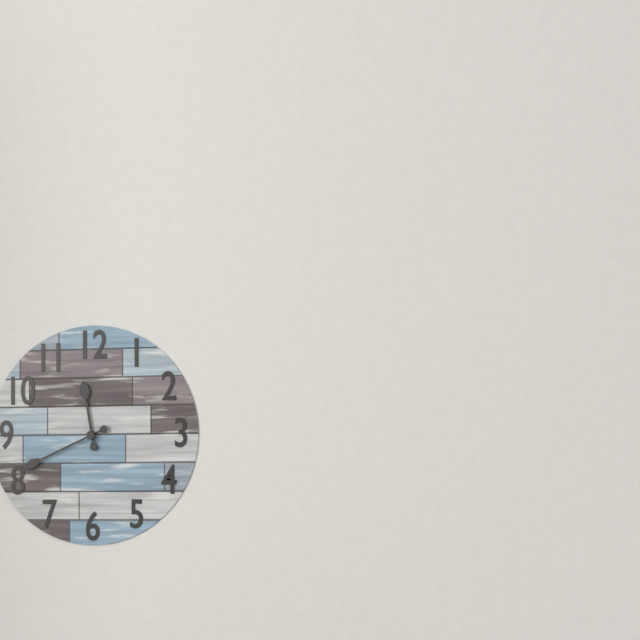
11.41
